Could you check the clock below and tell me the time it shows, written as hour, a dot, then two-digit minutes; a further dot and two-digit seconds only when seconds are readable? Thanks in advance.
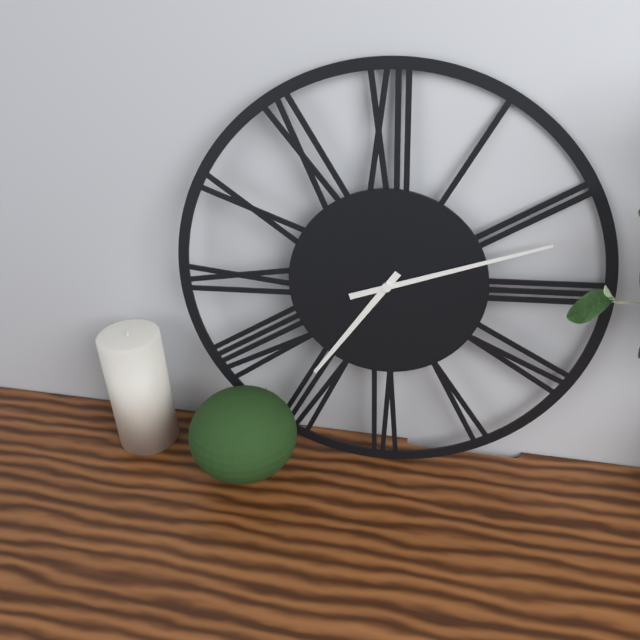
7.12
